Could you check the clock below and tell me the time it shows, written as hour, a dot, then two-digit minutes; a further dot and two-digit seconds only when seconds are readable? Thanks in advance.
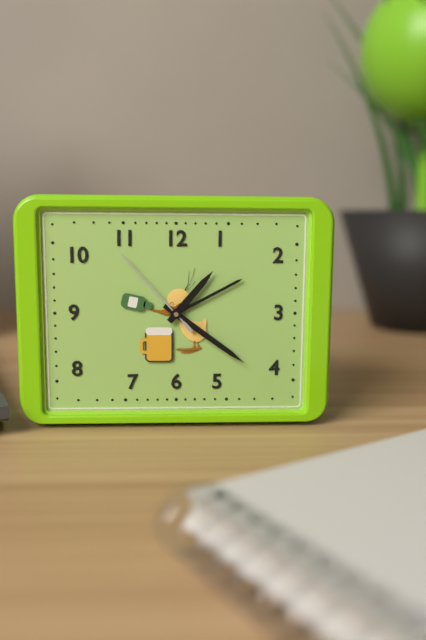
1.21.53
